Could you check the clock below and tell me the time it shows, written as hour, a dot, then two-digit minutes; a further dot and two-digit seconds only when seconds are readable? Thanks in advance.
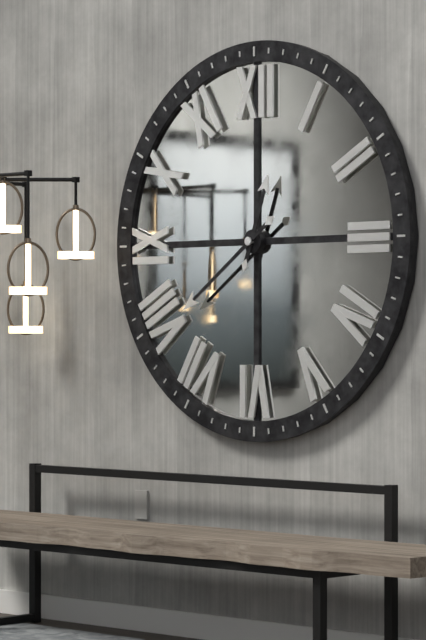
12.39
